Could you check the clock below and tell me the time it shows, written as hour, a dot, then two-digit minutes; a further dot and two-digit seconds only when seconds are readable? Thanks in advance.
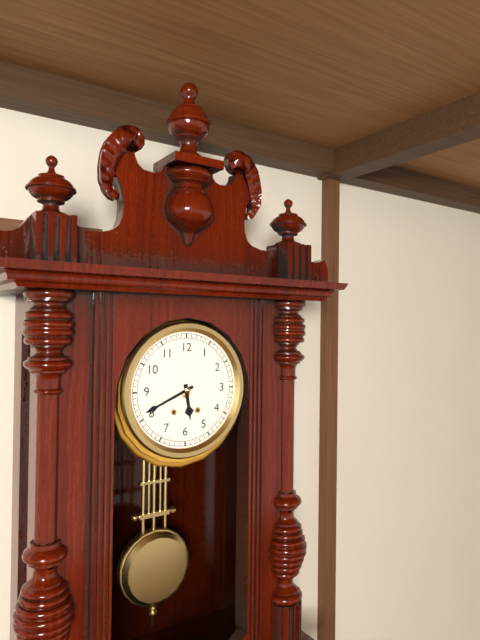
5.41
